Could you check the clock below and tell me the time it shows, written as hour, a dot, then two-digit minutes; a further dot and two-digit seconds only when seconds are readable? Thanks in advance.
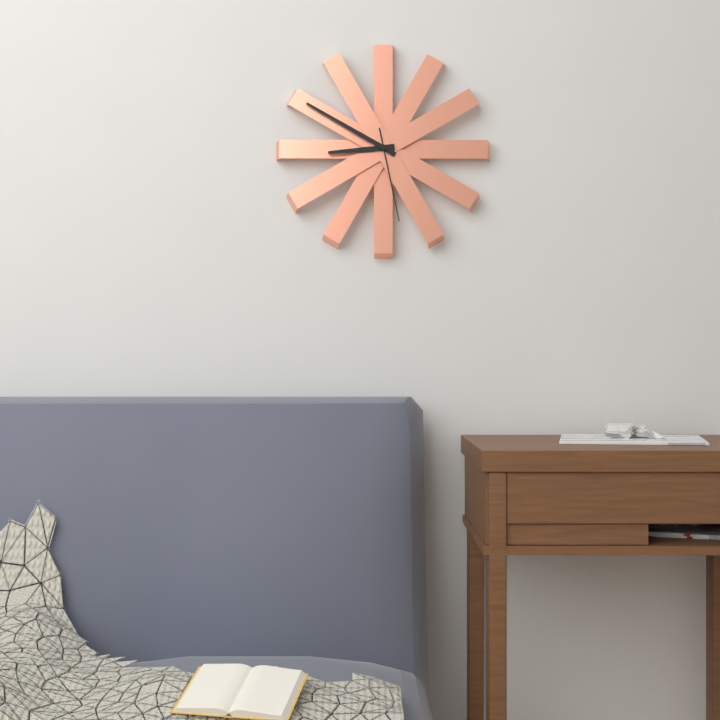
8.50.28
